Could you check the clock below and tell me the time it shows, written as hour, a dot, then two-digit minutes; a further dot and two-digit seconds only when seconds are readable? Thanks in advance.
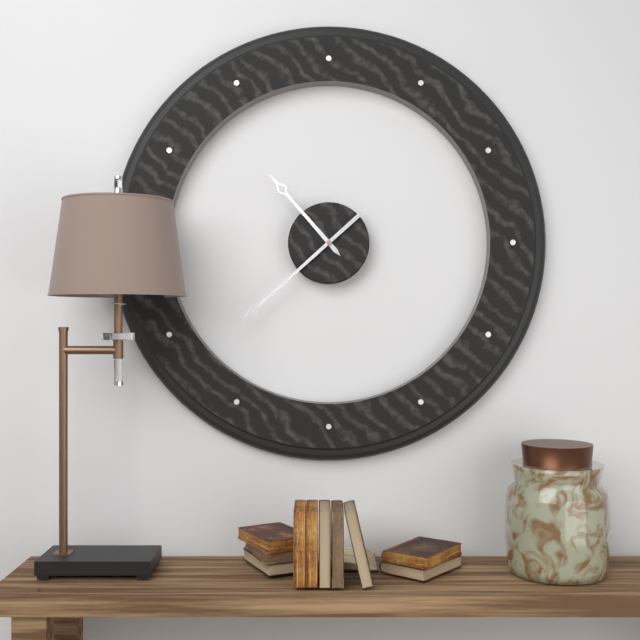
10.38
